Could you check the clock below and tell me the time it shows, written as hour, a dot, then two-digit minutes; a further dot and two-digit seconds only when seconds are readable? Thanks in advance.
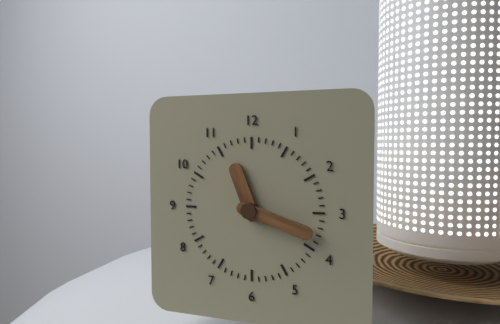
11.18
